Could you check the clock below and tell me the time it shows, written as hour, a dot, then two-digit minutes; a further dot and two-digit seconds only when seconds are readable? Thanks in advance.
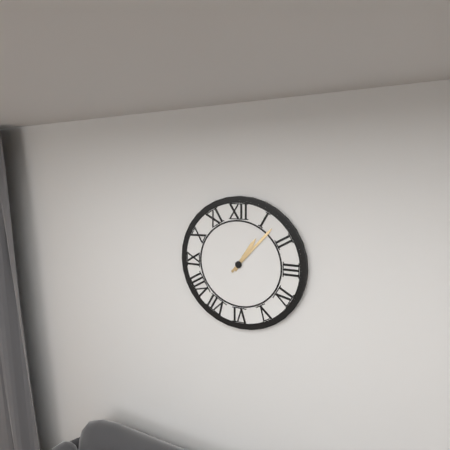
1.07
